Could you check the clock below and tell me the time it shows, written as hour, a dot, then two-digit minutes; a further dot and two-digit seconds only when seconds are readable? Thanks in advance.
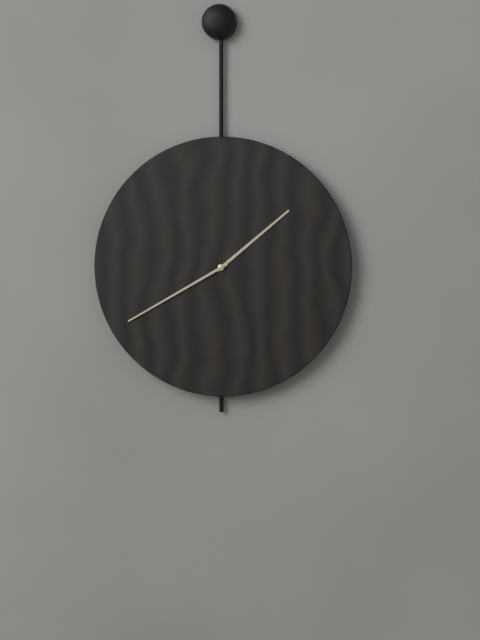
1.40
